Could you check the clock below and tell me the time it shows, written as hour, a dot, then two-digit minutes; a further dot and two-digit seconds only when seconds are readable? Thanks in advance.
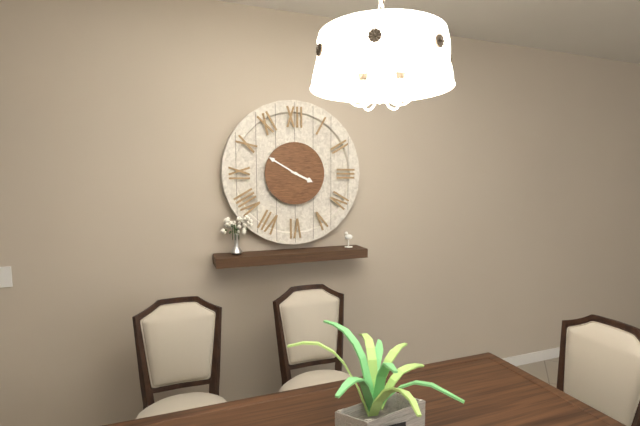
3.50
